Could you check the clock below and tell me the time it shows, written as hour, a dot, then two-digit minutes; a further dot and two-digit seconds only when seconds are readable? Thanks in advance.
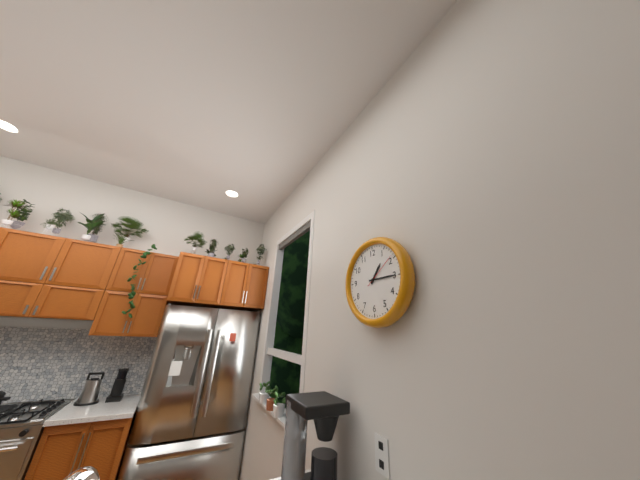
1.15
